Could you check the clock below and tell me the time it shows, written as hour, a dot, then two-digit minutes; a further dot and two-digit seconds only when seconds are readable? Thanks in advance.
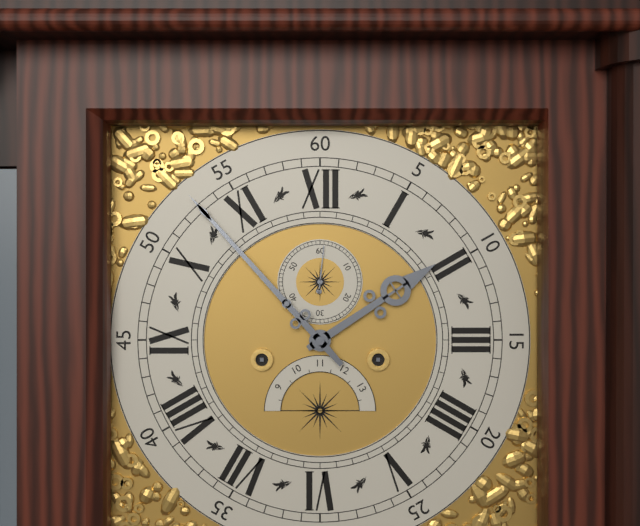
1.53
